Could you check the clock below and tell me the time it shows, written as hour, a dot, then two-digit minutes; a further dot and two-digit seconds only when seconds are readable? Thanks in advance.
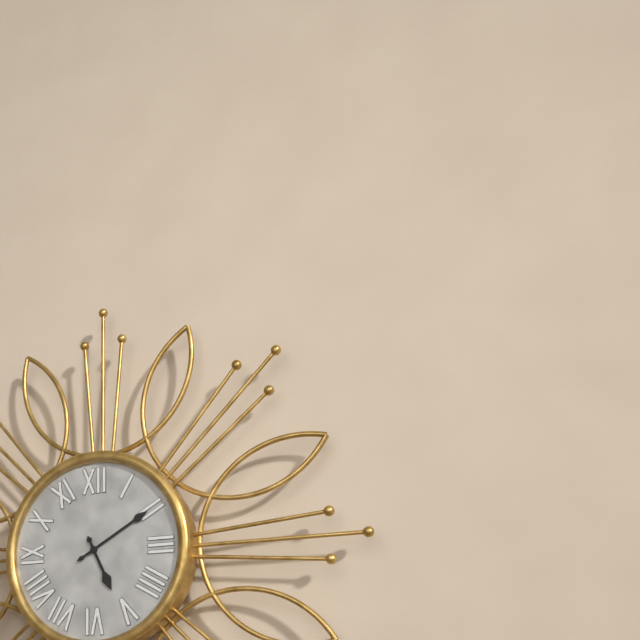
5.10
